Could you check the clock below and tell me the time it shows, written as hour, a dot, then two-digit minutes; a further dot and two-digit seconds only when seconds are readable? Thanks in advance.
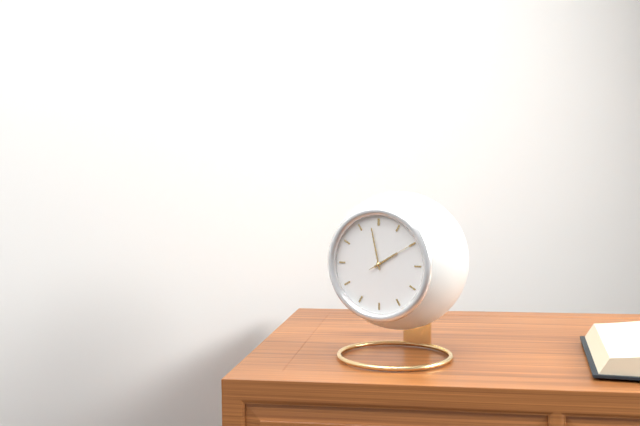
1.58.10
